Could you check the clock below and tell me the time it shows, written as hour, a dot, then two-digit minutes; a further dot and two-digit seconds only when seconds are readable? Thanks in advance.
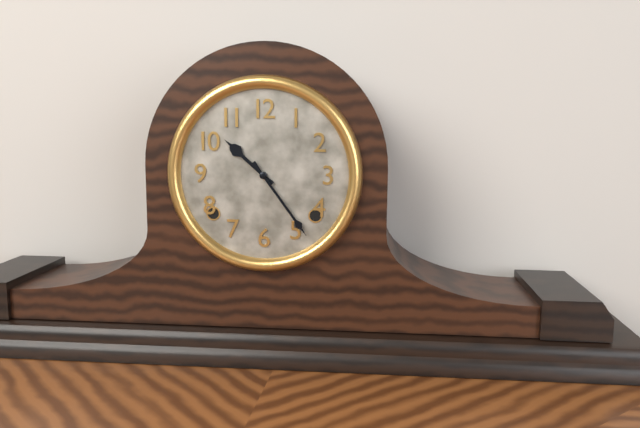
10.24
